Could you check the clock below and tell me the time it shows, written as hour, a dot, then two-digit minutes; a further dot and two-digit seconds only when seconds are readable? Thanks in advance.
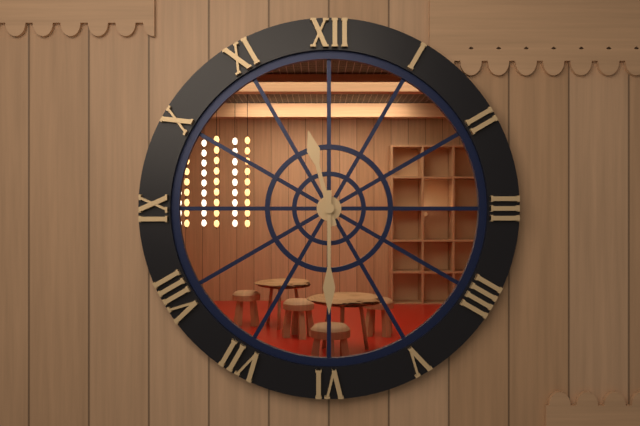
11.30
